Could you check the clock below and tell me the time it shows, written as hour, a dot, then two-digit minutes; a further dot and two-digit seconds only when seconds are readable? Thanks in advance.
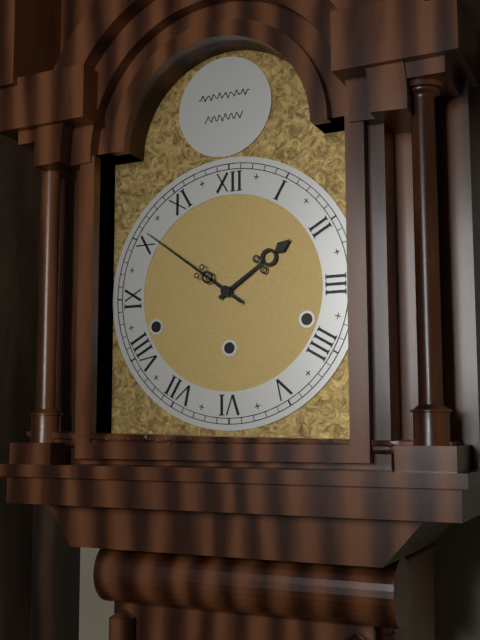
1.51
